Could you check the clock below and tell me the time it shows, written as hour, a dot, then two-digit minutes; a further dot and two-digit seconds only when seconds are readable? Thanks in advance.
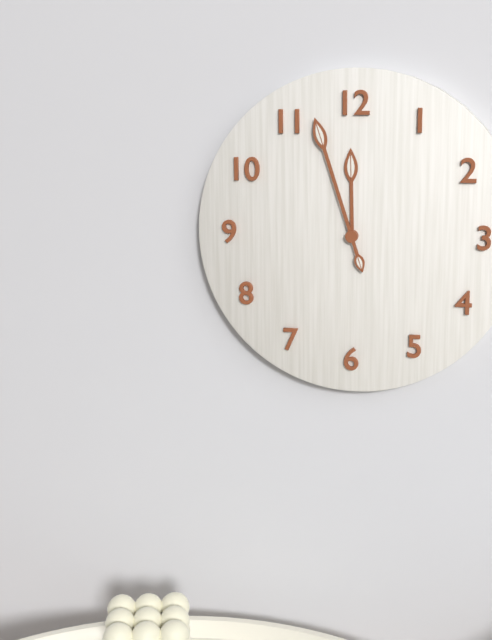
11.57
